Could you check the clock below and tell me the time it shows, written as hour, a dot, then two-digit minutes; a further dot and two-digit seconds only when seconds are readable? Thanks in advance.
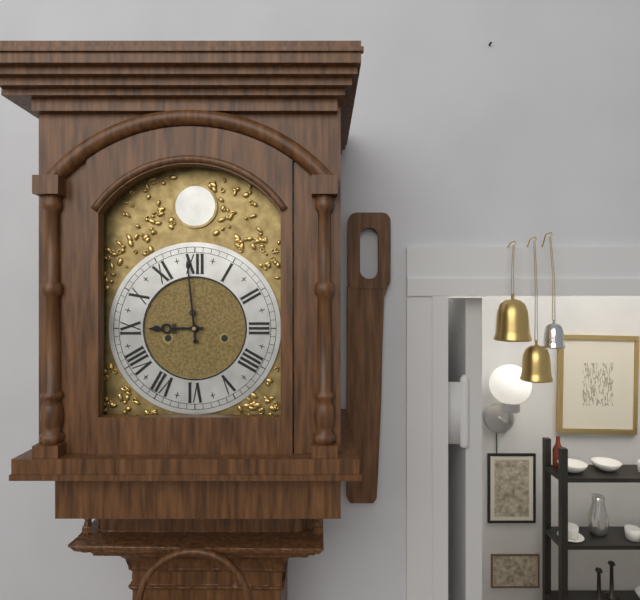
8.59
